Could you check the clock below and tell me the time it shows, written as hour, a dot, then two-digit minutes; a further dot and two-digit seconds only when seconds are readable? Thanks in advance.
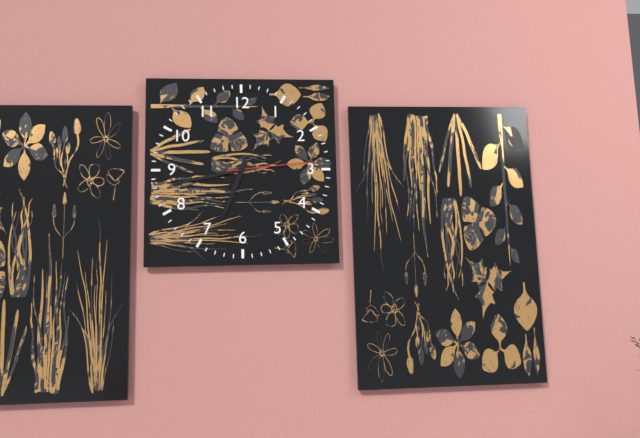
6.43.14
